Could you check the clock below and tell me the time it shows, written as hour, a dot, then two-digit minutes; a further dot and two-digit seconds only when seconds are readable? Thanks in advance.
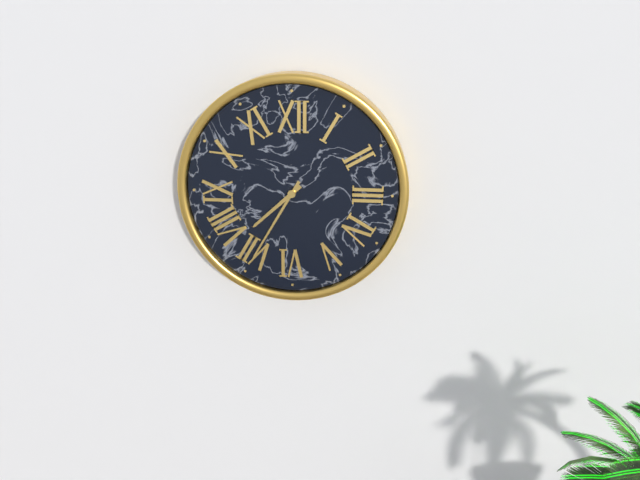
7.35
